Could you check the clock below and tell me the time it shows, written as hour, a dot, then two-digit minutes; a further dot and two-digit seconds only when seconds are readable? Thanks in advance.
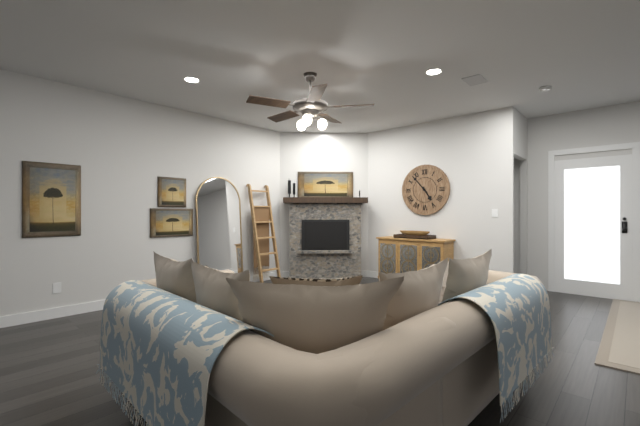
4.53
